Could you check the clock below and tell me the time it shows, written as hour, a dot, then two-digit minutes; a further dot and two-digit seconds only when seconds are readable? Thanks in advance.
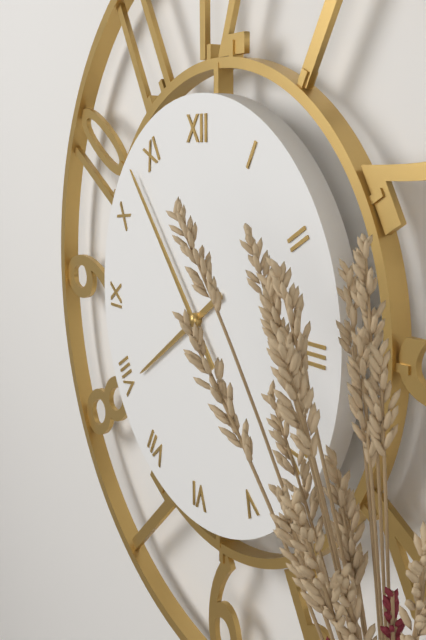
7.53
